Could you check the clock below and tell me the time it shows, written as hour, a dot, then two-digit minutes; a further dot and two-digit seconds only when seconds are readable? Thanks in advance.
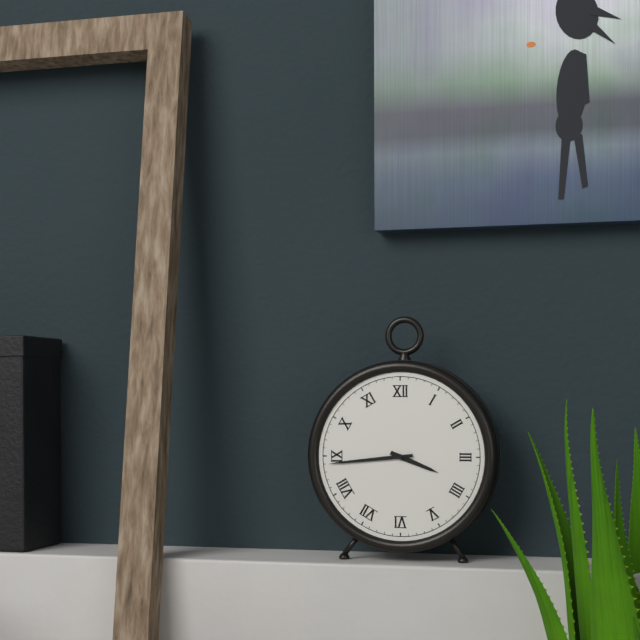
3.44
